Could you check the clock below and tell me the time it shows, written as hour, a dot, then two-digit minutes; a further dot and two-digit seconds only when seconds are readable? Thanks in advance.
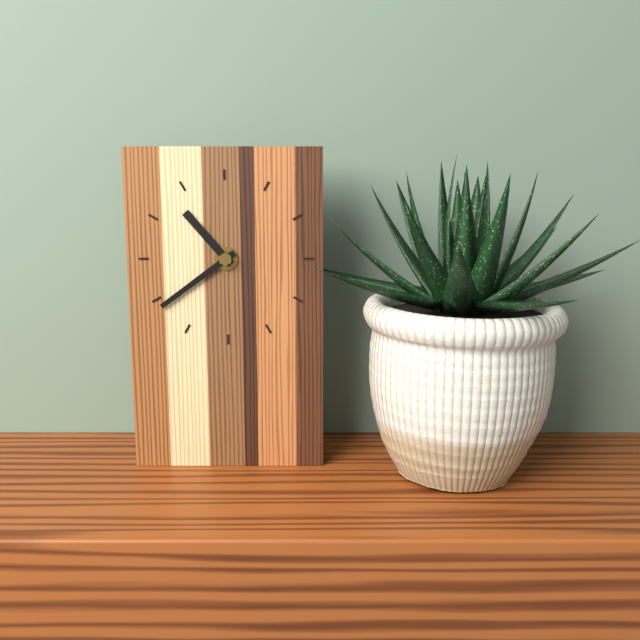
10.39
